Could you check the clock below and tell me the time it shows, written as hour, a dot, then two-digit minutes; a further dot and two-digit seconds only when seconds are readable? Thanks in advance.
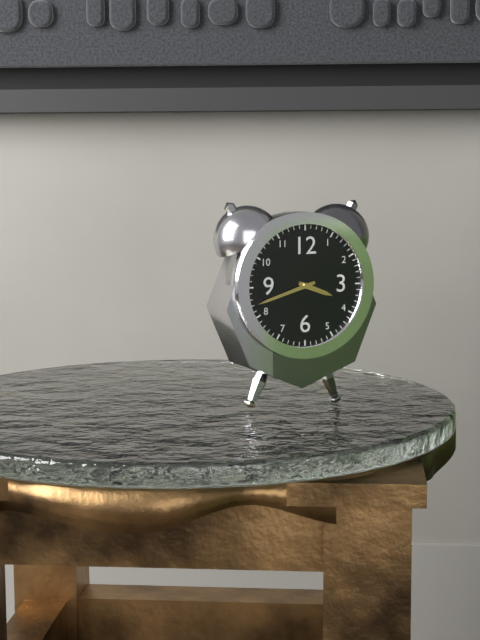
3.42
